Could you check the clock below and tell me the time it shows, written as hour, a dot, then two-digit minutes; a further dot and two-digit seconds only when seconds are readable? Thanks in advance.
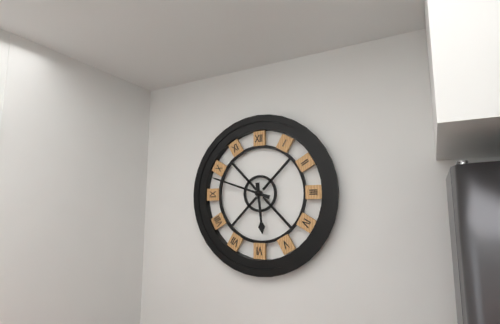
5.48
